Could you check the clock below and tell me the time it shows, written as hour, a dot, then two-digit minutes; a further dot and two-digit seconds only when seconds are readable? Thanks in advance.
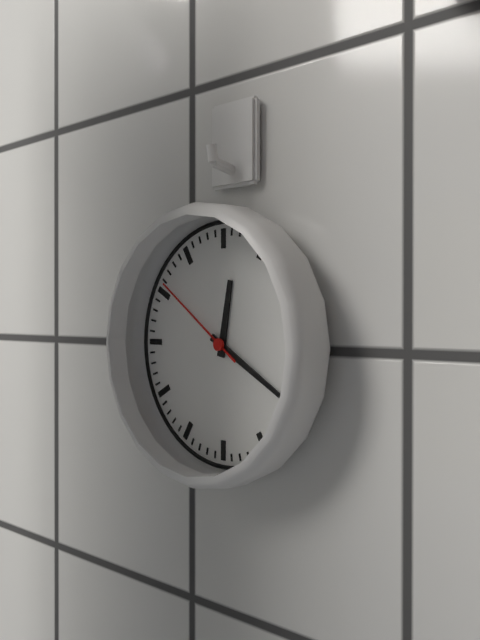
12.20.51
